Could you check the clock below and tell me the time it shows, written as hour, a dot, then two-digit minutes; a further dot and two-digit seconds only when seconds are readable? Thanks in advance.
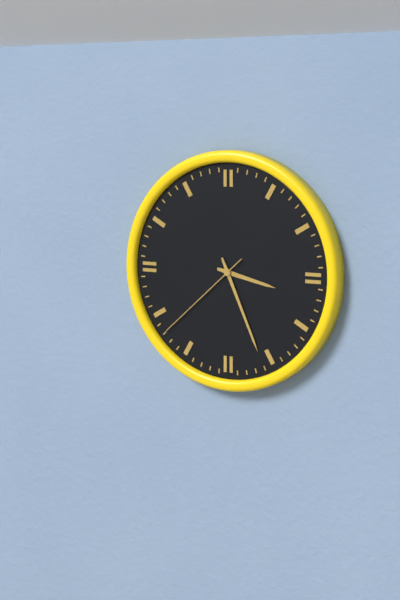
3.26.38
